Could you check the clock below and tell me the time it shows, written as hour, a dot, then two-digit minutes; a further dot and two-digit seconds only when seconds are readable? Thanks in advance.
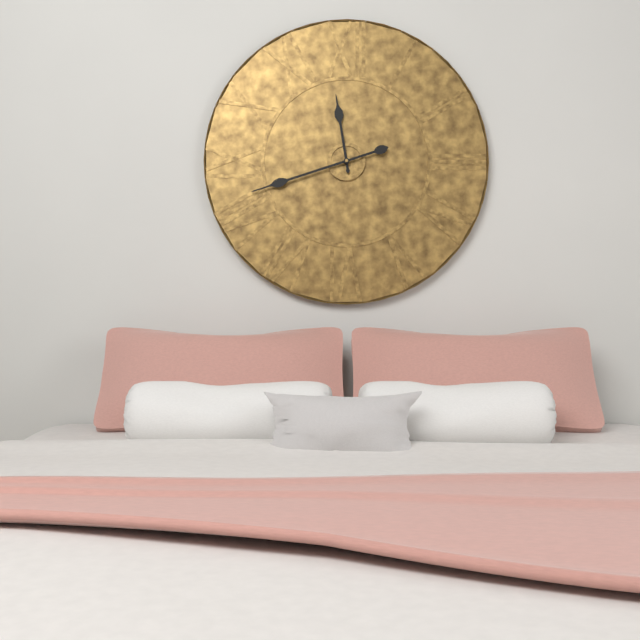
11.42
